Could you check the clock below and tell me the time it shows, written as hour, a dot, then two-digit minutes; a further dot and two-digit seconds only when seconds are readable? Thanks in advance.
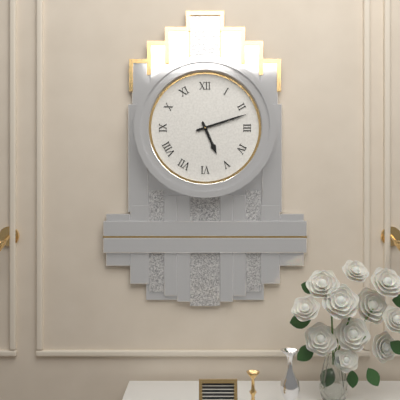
5.12
